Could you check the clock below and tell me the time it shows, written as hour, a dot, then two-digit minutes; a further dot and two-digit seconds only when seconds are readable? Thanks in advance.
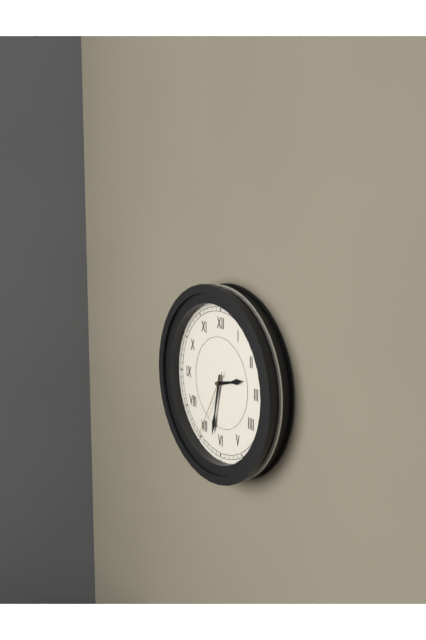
2.32.35
